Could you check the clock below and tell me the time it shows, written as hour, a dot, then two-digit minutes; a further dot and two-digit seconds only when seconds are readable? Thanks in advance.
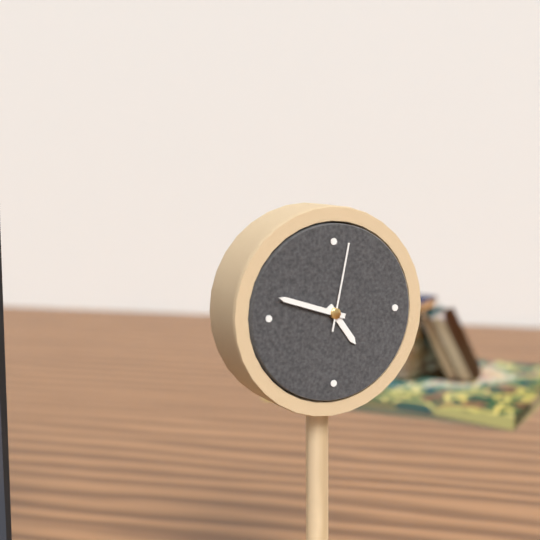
4.48.02
